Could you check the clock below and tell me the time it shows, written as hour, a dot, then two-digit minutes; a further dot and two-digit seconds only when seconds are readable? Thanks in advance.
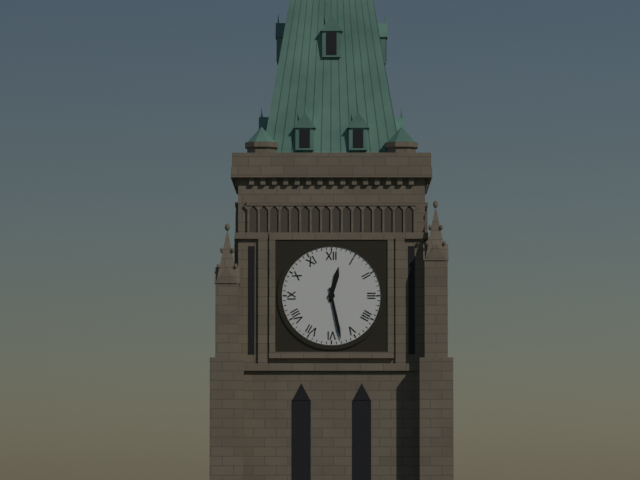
12.28
